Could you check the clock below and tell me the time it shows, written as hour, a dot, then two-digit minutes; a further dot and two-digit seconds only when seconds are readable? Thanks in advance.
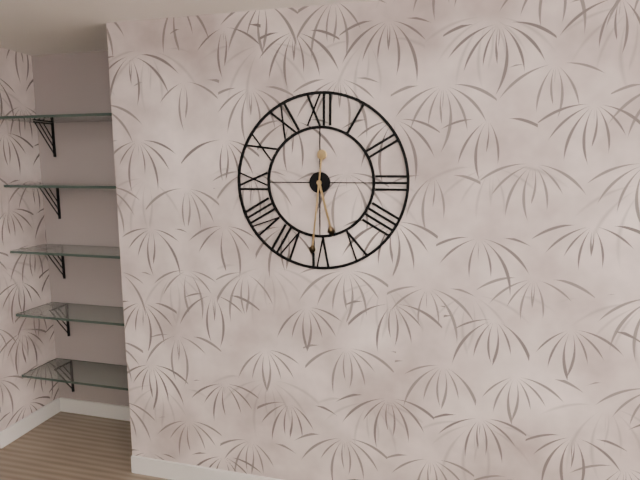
5.31
